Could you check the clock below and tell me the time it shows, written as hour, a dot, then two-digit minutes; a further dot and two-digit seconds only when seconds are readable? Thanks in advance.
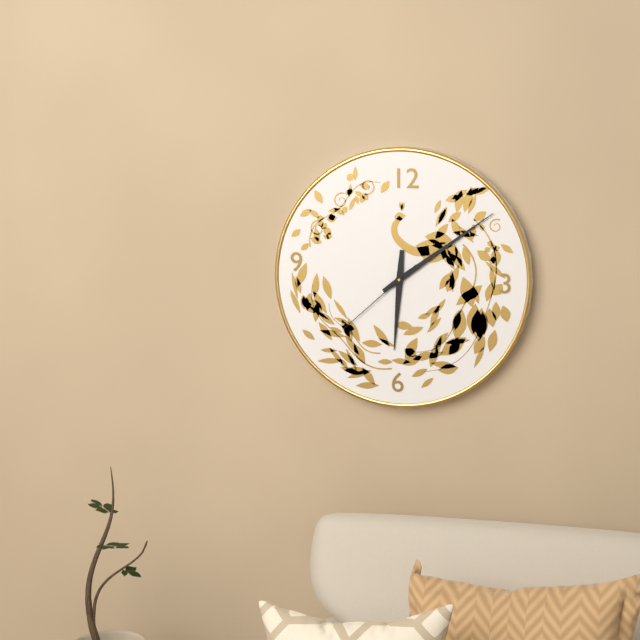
6.09.38
